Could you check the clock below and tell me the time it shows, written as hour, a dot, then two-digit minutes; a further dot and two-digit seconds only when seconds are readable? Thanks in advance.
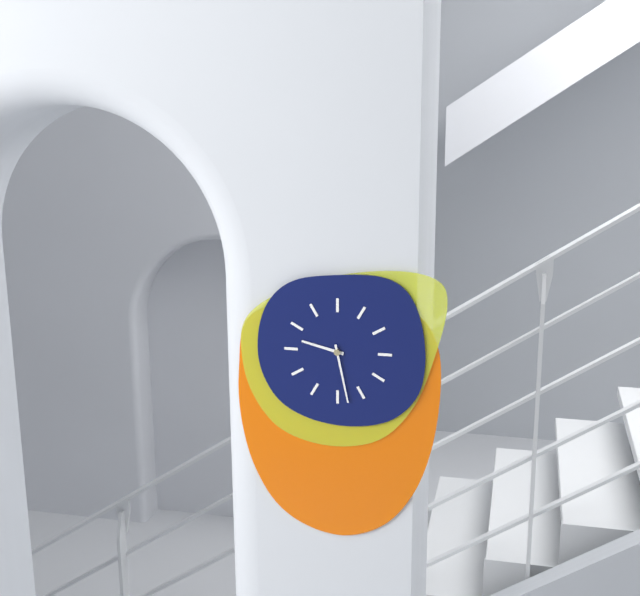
9.28
